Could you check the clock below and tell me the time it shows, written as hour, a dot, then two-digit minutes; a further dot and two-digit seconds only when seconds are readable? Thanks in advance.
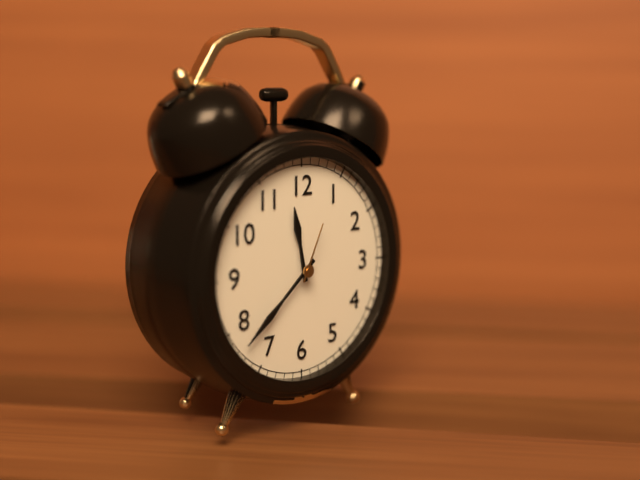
11.38.04
